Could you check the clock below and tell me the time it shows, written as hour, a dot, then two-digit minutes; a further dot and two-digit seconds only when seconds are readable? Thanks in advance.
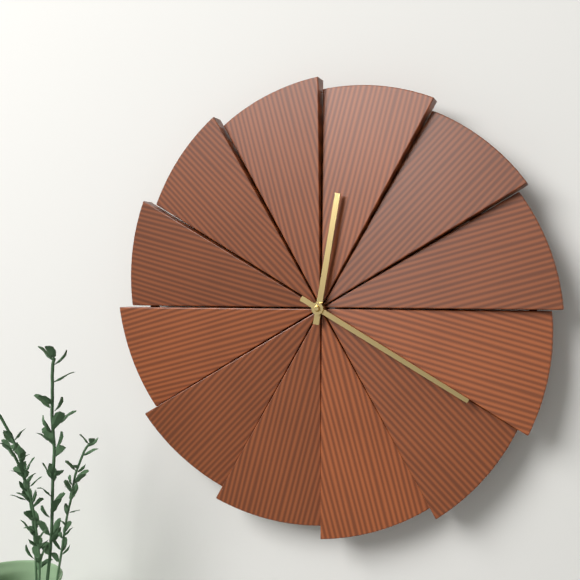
12.20
